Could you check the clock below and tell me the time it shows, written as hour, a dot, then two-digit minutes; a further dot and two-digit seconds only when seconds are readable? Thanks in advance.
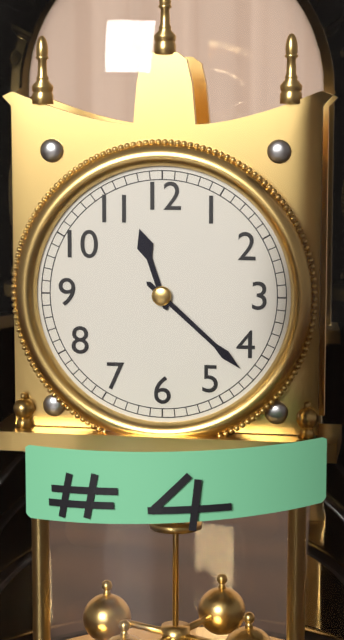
11.22
